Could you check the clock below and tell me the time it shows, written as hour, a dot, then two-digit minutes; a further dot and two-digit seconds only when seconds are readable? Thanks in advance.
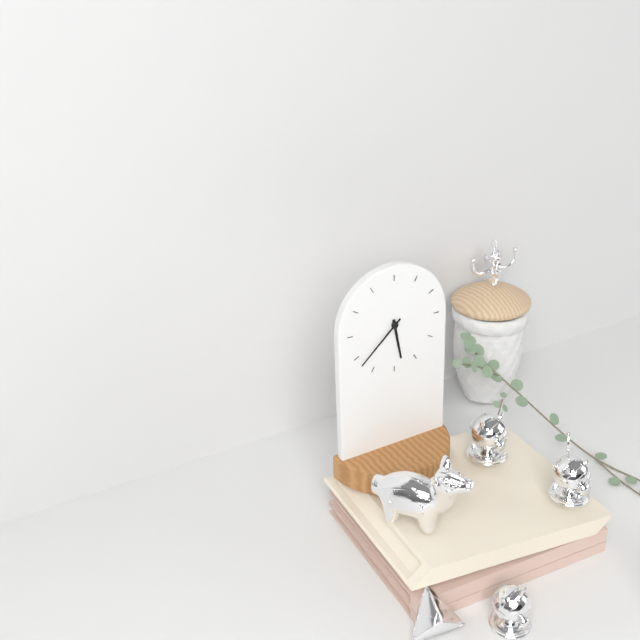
5.38
